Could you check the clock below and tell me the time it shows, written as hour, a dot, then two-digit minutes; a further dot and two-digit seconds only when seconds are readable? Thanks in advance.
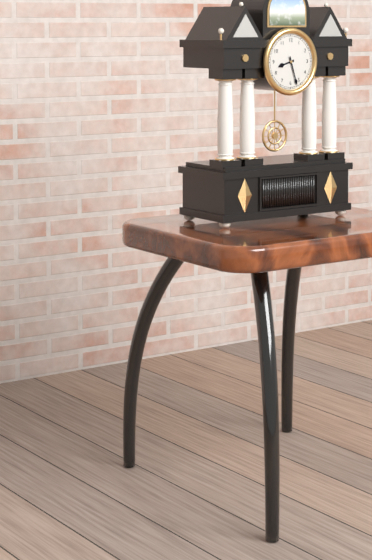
8.27
